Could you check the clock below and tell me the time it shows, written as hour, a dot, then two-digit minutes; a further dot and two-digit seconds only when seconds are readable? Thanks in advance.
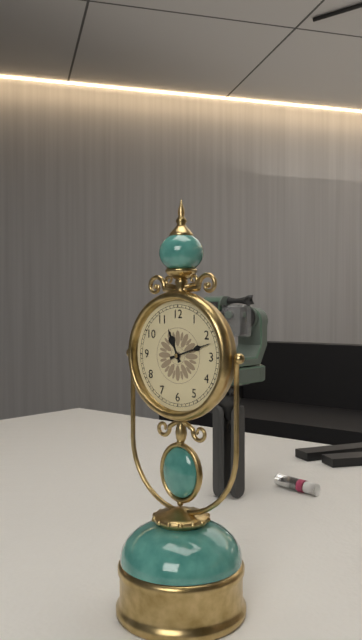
11.12
